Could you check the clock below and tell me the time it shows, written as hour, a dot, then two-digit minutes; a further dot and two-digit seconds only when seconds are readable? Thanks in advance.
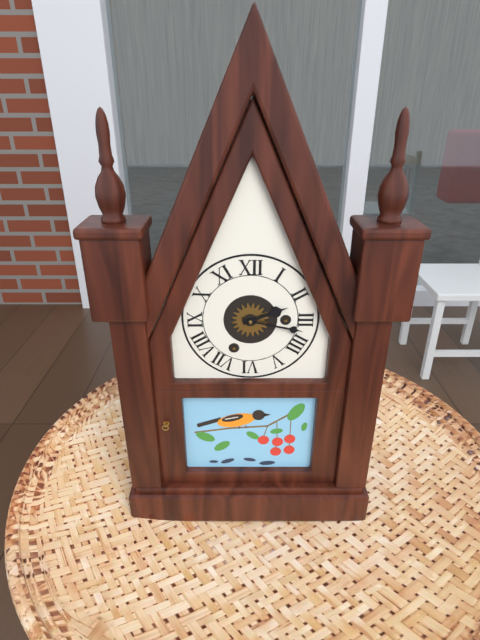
2.17
